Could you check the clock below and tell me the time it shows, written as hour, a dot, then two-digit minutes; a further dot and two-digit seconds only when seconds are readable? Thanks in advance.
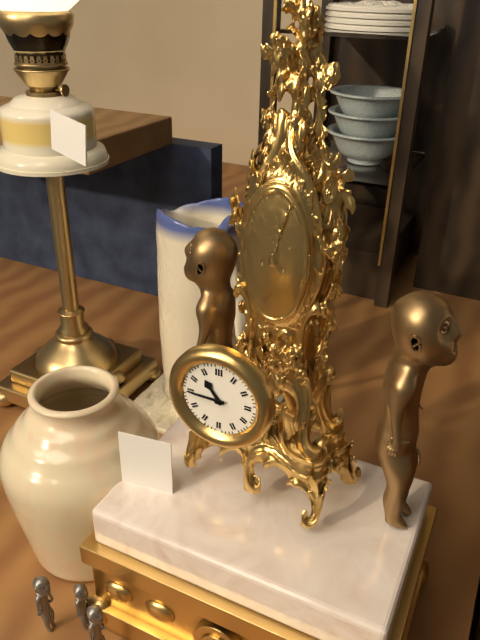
10.45
